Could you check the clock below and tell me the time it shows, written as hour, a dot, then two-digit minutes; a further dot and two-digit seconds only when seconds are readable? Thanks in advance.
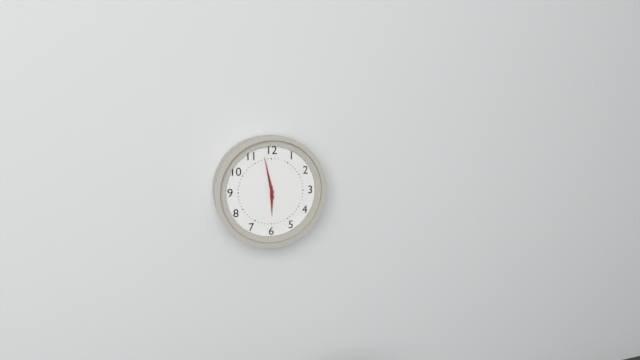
5.58
